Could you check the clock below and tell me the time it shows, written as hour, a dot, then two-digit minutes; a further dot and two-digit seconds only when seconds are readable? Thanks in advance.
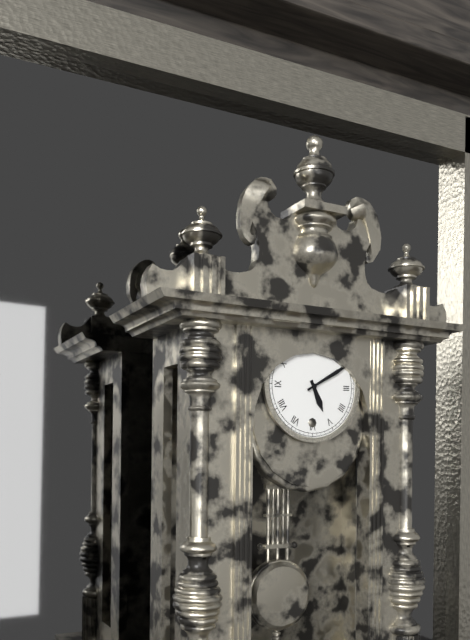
5.10
